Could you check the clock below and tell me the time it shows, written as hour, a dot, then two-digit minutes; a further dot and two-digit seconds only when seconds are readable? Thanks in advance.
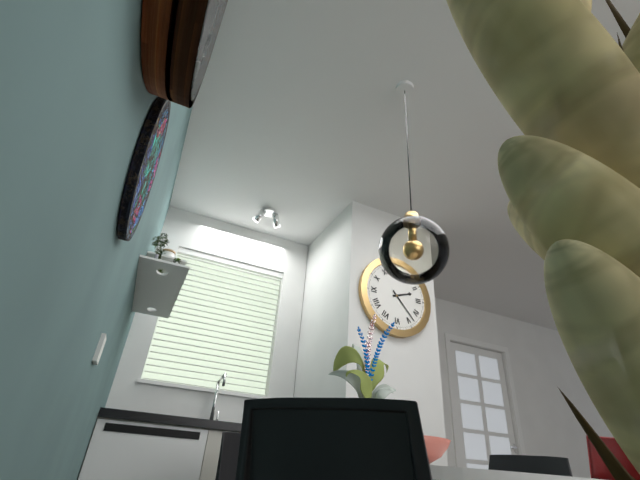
2.23
